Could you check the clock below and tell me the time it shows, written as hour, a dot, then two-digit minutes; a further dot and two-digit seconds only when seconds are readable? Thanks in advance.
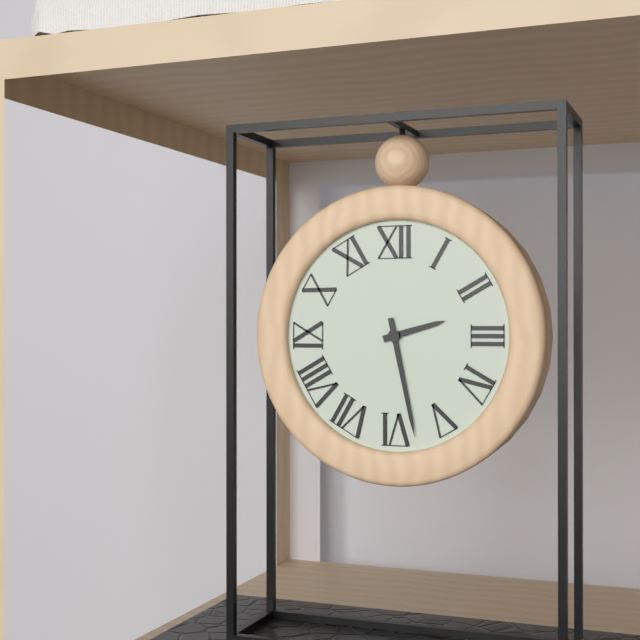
2.28
